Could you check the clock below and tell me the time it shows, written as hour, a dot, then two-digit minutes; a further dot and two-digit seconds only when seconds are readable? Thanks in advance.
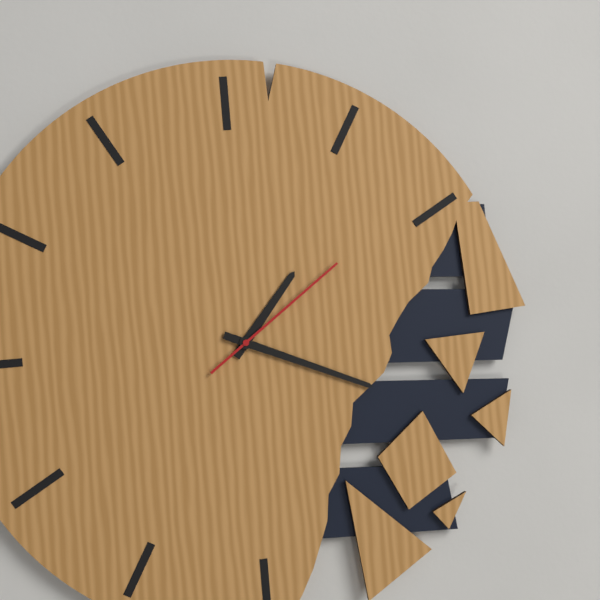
1.19.09
